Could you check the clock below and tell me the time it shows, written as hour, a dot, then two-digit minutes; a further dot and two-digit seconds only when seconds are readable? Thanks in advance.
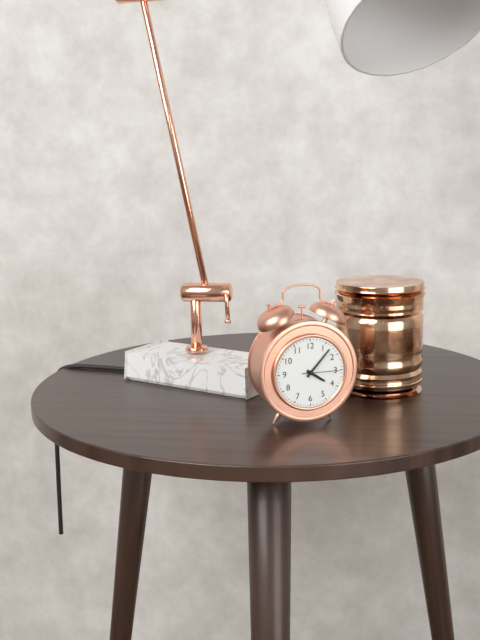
4.07
